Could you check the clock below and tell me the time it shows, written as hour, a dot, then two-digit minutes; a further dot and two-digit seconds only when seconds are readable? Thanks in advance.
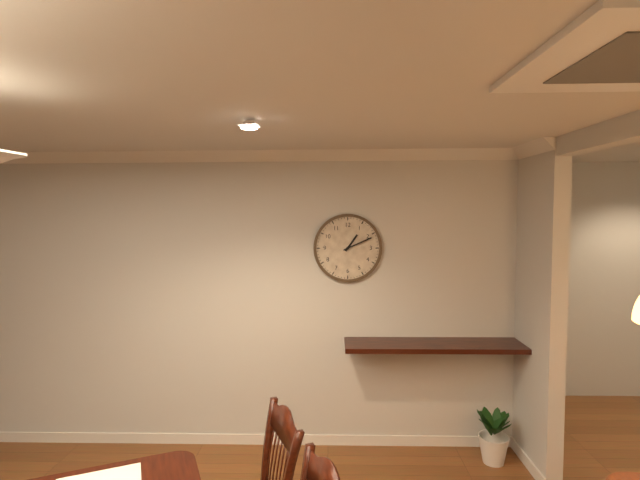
1.11
